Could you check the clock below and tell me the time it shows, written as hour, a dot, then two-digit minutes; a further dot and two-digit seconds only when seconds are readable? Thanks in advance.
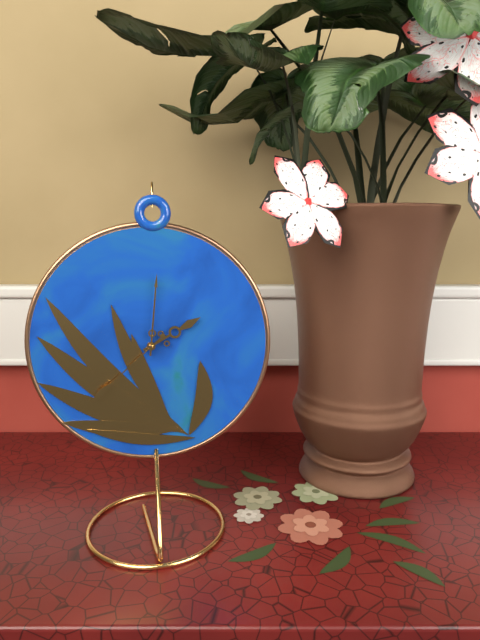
2.01.38
